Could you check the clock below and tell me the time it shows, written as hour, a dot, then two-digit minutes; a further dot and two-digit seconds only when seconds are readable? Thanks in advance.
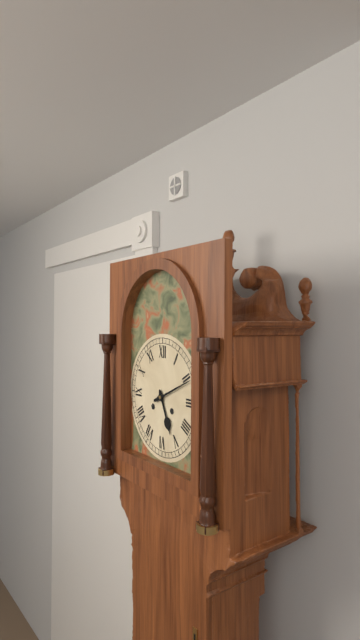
5.11
